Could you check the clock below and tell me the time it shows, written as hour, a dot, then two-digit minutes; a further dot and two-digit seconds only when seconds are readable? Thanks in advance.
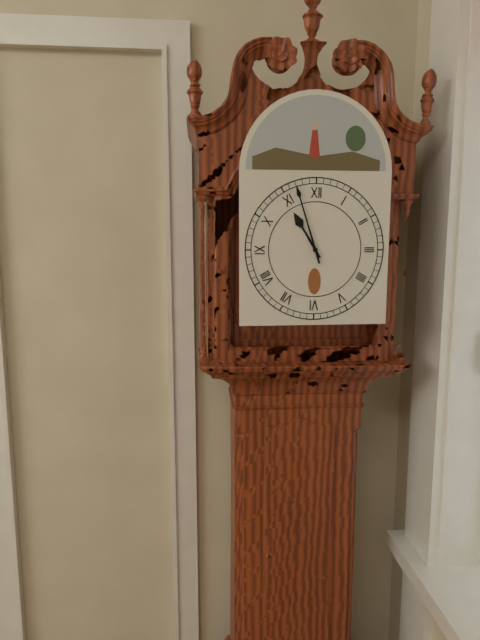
10.57
